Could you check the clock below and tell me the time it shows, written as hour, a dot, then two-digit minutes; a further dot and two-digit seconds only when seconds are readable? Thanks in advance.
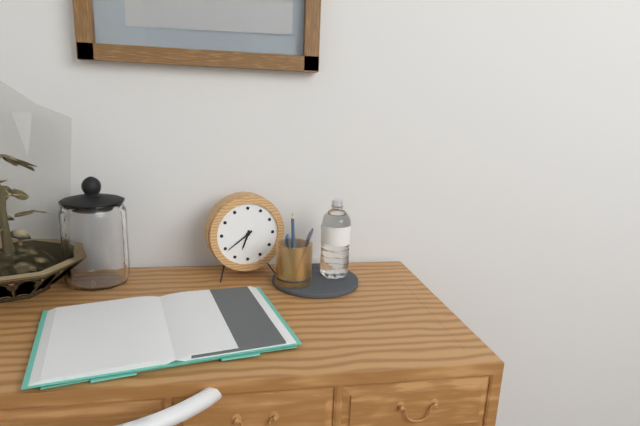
6.39
